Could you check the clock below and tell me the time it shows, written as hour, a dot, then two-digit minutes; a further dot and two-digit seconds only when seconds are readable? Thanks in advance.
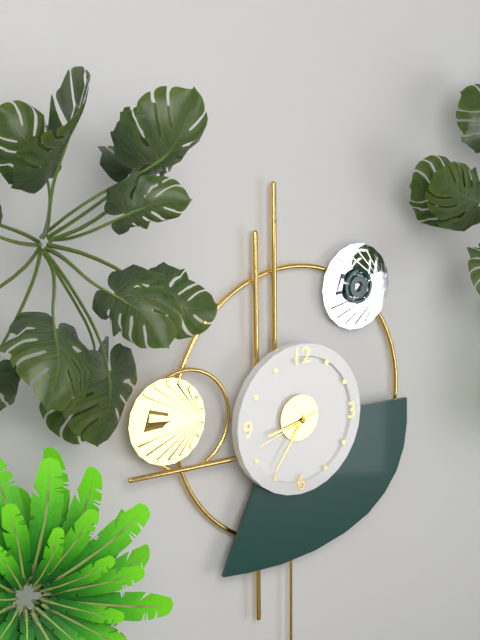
8.36.42
